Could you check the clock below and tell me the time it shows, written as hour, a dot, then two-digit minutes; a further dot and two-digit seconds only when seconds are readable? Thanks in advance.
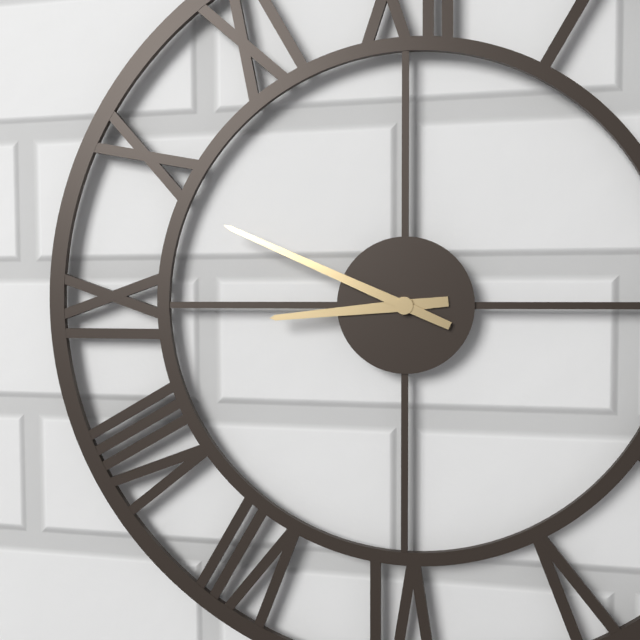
8.49
